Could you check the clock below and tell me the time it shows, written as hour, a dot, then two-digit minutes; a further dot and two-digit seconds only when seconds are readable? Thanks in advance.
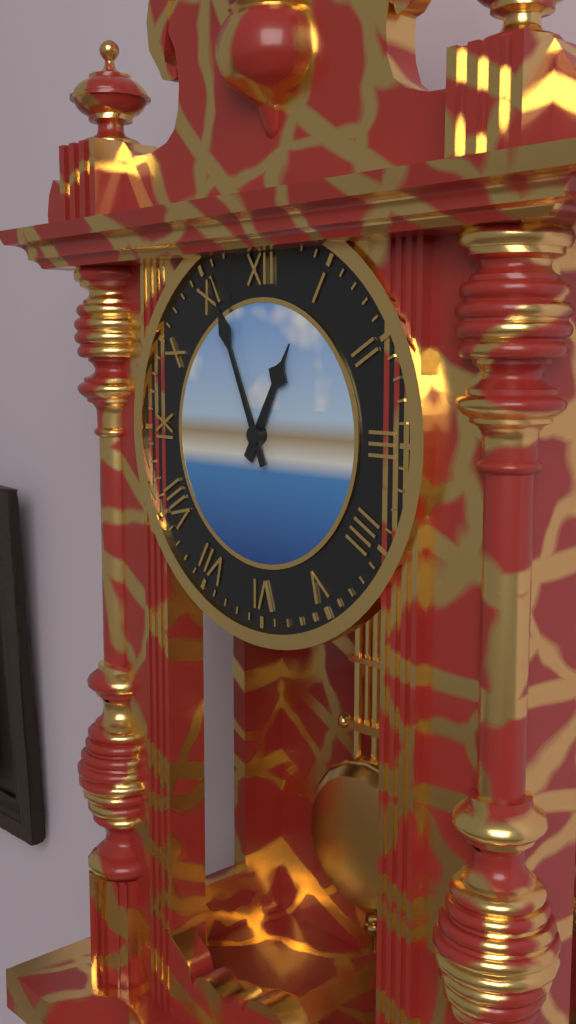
12.56
